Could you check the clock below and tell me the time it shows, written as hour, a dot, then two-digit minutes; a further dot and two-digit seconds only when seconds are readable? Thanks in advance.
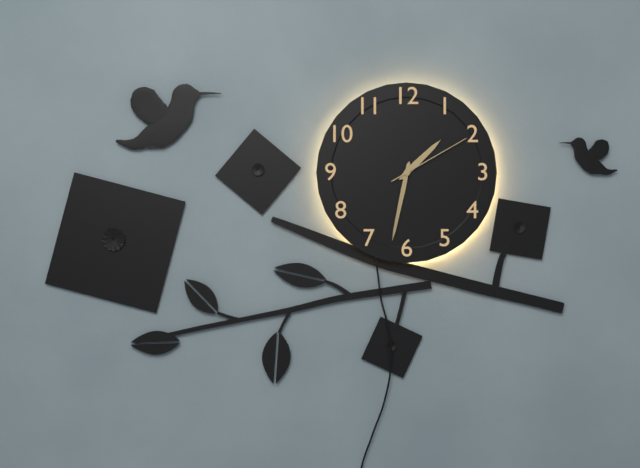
1.32.10
